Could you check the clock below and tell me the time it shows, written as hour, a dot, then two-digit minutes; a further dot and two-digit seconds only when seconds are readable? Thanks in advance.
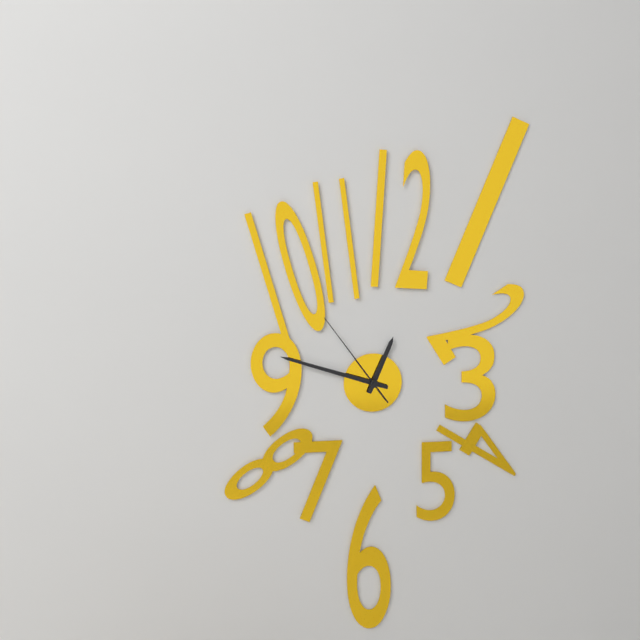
12.48.54
